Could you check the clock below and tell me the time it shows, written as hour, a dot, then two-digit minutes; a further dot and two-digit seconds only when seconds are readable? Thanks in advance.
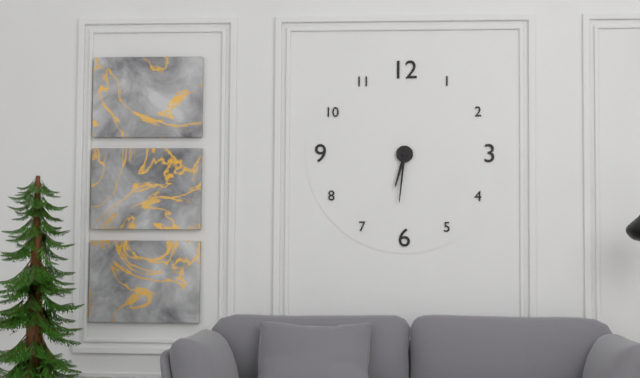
6.31
